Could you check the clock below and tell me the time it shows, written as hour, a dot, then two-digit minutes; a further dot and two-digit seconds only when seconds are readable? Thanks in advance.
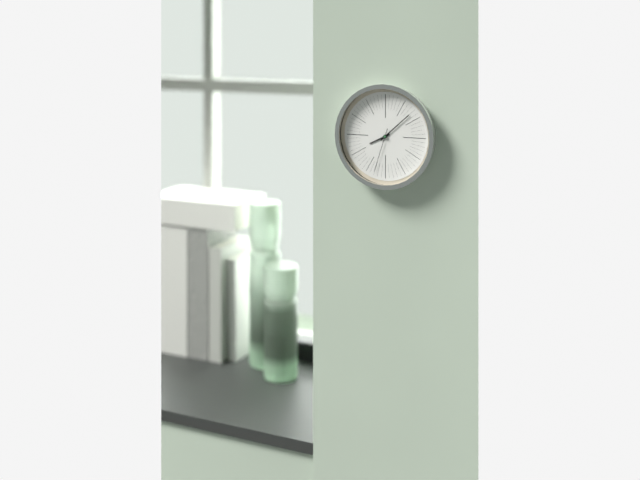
8.08
